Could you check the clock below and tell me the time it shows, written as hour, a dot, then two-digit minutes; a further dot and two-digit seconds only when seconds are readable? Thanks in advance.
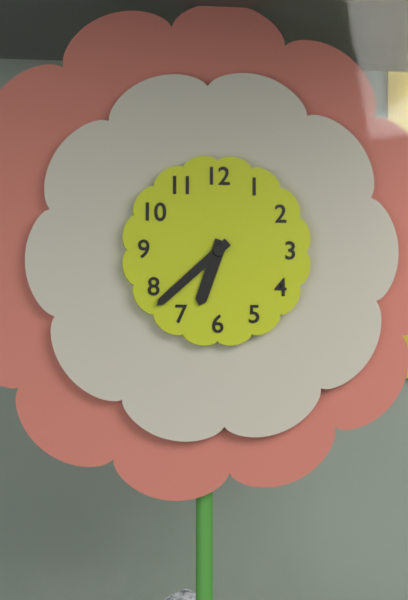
6.38
